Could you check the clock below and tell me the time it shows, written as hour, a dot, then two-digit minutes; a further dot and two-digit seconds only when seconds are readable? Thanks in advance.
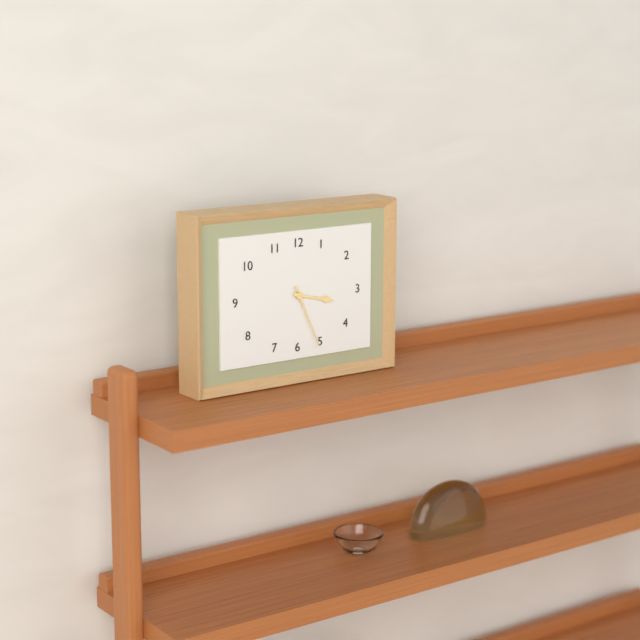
3.26
